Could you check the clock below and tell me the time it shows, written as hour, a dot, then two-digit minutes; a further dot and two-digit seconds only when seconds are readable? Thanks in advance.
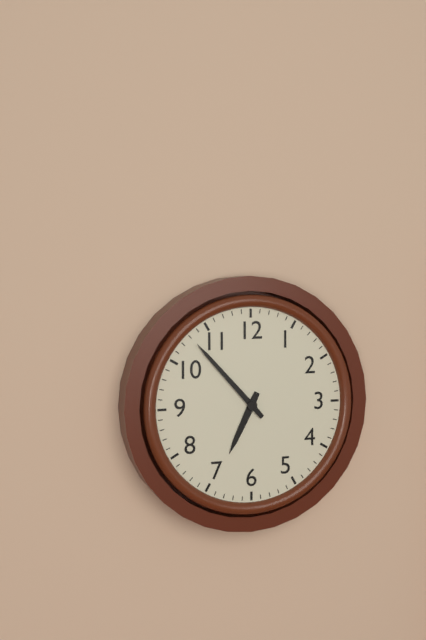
6.53
